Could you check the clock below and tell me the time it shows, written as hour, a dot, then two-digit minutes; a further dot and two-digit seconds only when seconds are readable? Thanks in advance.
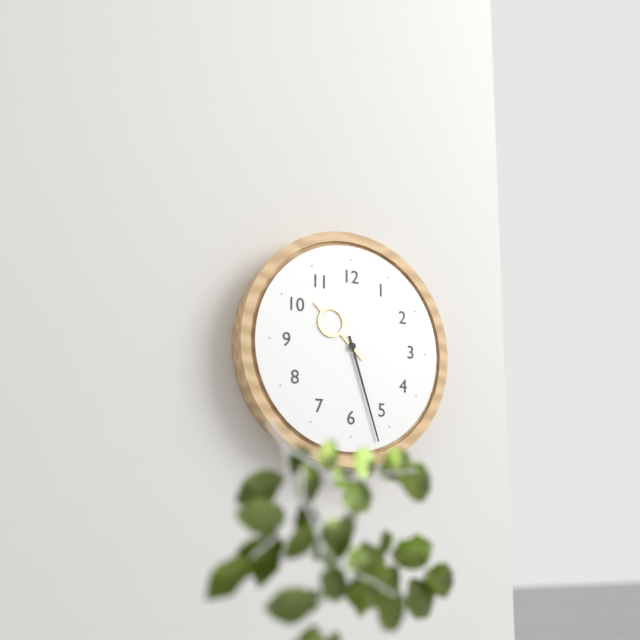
10.27
